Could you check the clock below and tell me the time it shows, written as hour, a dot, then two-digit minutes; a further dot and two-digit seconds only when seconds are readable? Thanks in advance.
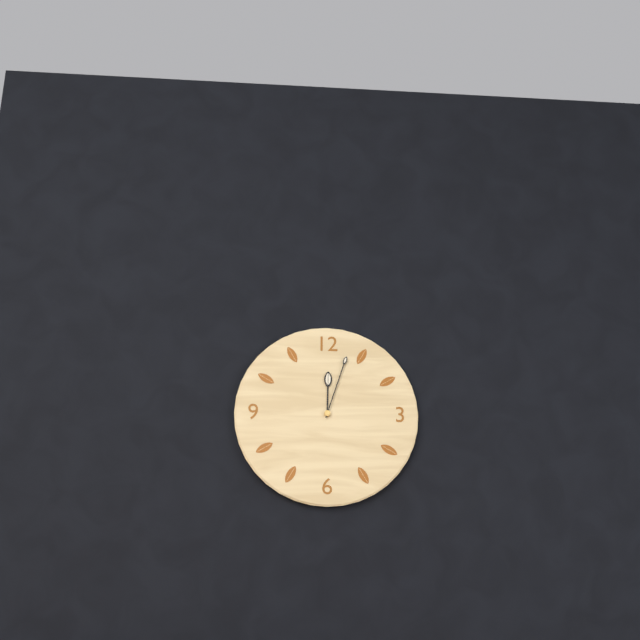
12.03
